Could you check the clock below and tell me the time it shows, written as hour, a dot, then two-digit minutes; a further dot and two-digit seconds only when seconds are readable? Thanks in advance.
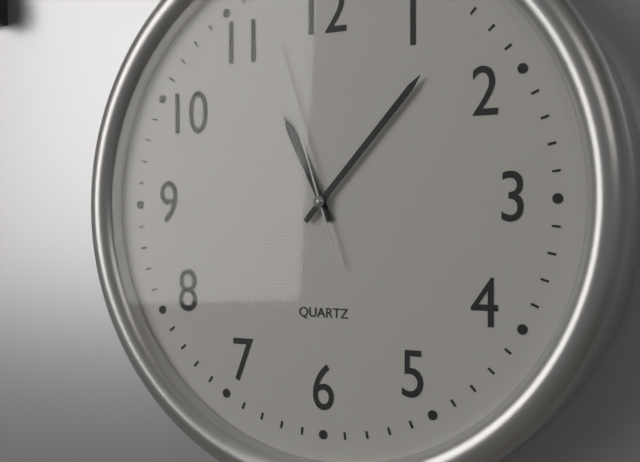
11.07.57
